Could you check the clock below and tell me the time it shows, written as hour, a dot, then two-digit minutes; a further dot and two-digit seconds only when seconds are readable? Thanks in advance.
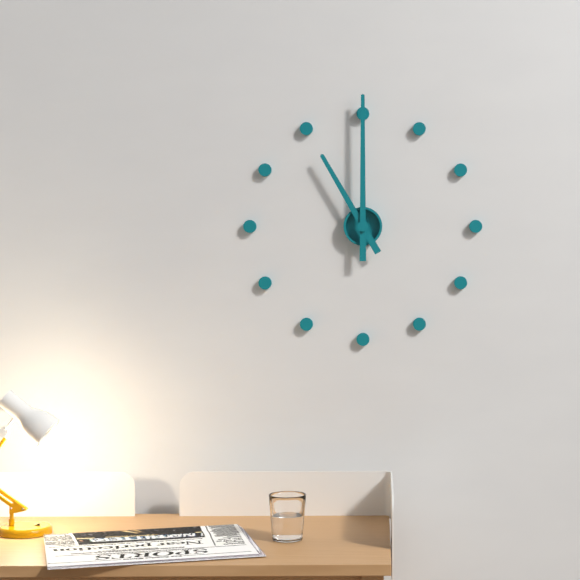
11.00
